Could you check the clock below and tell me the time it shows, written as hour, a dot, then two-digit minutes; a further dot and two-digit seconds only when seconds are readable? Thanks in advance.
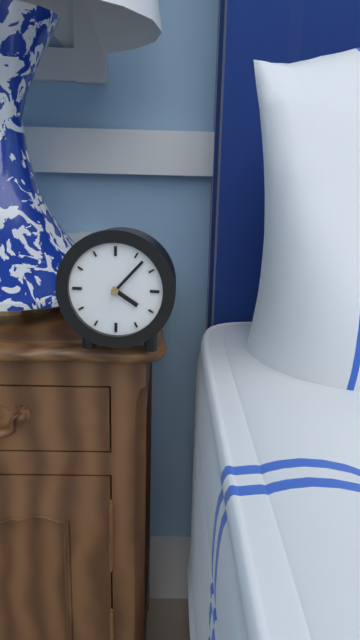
4.07
